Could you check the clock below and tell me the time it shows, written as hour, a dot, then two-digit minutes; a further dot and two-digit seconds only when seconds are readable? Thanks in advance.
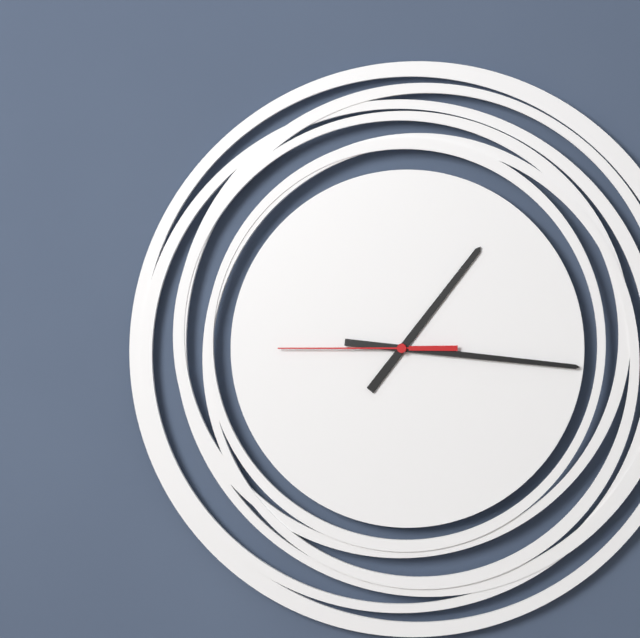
1.16.45
